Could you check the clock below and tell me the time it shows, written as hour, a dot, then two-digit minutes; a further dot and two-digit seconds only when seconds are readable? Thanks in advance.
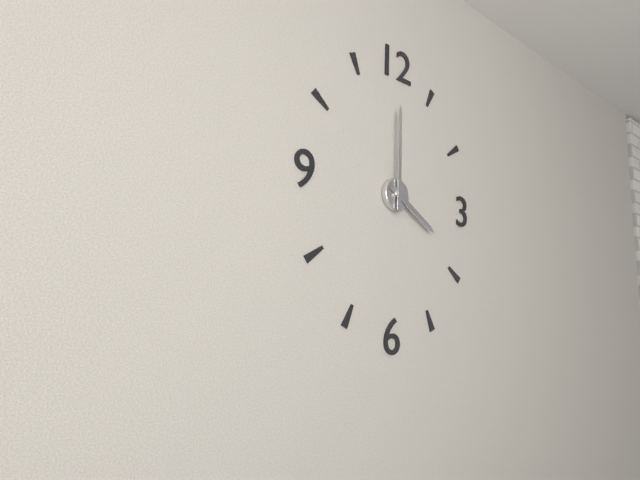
4.00
